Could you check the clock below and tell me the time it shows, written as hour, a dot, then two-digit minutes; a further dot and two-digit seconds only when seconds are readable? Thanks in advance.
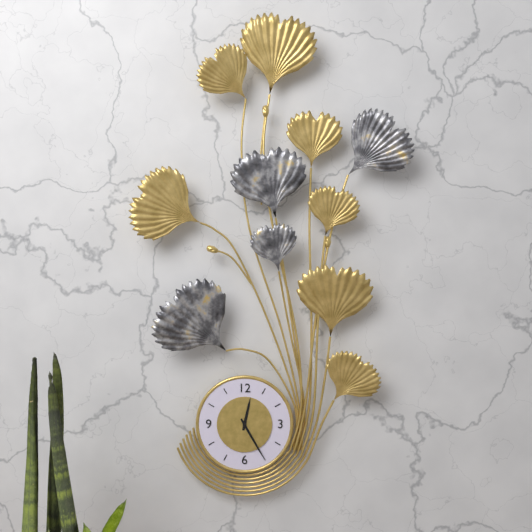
12.25
